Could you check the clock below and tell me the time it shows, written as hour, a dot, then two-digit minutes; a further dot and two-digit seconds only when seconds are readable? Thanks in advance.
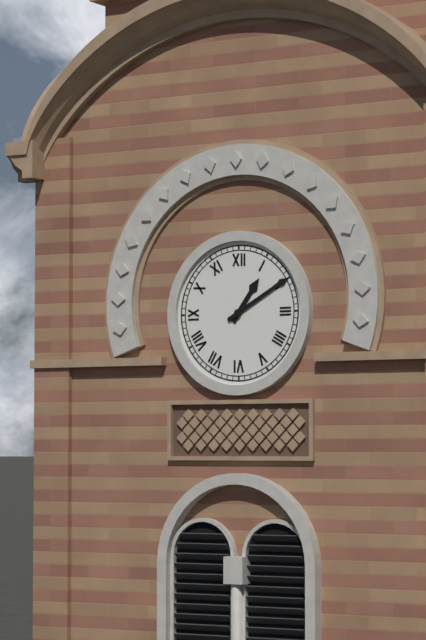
1.10
